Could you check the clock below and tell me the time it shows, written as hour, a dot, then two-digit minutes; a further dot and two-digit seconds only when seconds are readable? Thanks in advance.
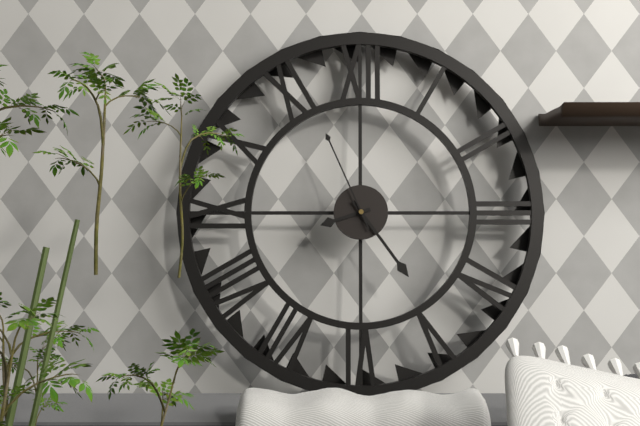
8.24.56
